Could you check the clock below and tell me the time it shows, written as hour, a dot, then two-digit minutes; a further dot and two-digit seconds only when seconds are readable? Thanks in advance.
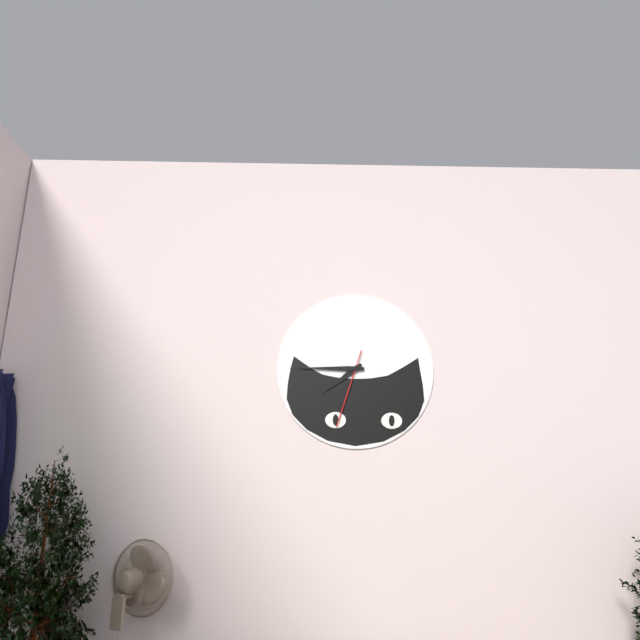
7.45.33
